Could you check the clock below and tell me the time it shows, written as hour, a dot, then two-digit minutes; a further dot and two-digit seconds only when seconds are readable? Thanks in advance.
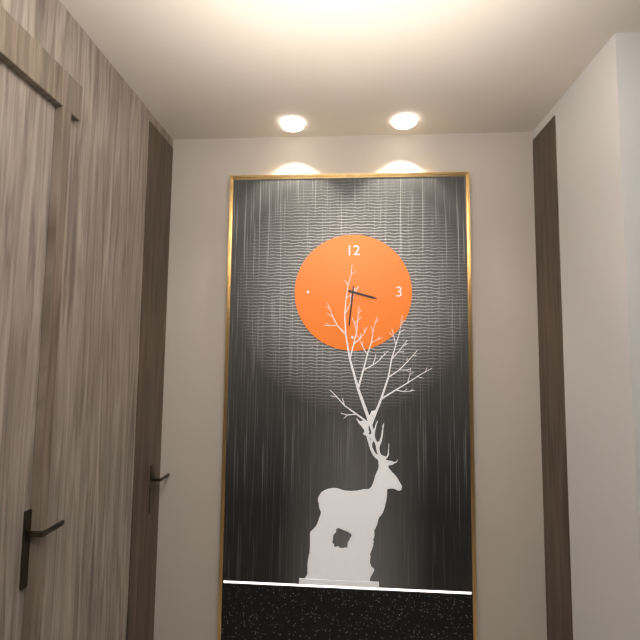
3.31
